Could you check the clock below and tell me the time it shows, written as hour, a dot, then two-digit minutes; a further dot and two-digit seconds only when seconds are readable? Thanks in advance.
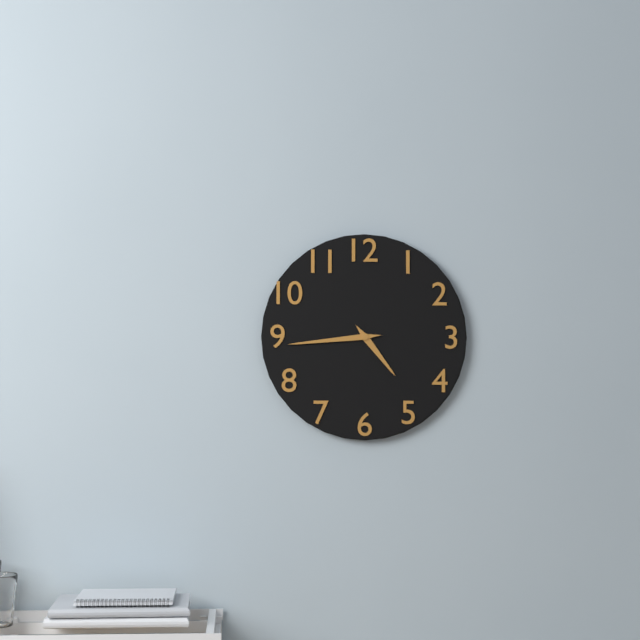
4.44
